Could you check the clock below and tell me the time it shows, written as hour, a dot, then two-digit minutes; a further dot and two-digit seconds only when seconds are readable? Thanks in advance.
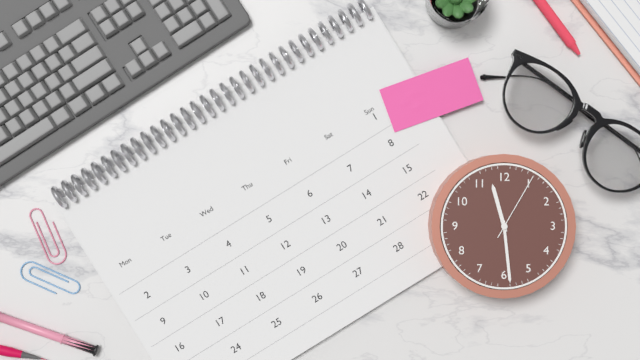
11.29.05
